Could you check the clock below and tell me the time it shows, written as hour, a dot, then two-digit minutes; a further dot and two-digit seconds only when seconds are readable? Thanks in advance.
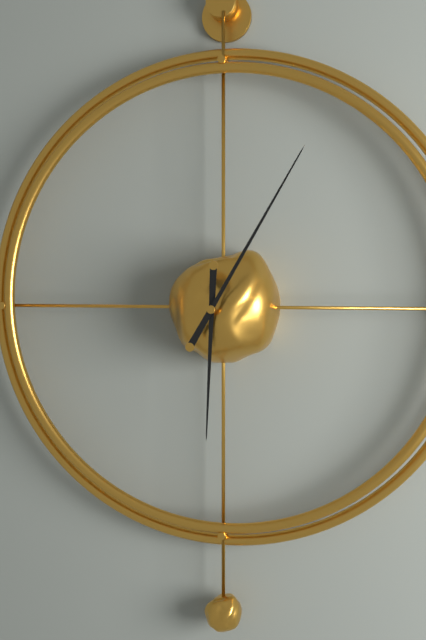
6.05
